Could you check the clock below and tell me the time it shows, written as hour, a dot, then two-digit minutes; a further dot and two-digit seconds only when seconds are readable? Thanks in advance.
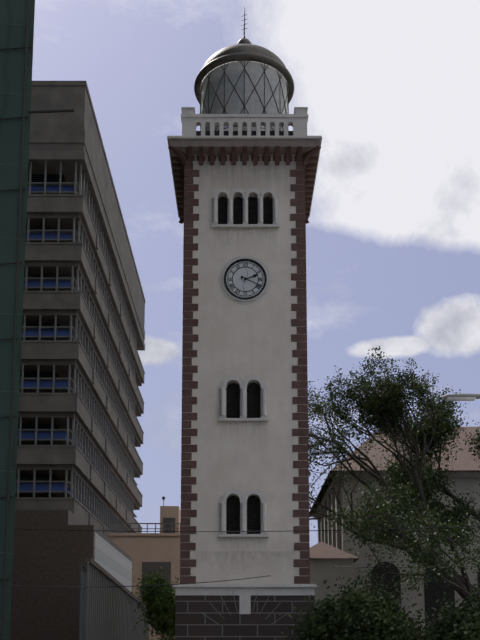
2.19
